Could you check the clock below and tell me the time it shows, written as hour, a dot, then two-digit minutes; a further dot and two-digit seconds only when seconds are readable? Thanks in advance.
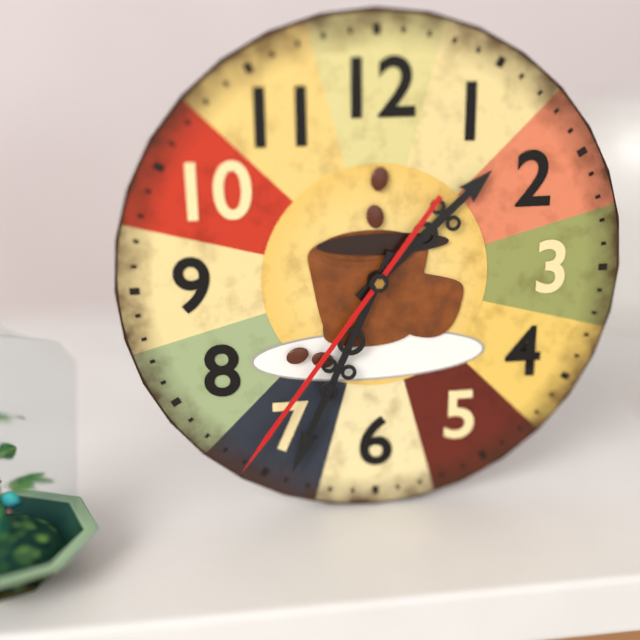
1.34.36
